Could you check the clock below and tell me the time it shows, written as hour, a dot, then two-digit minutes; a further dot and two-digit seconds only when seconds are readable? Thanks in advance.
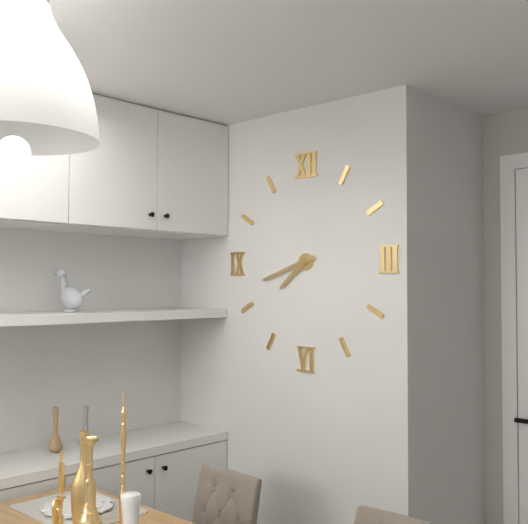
7.42
